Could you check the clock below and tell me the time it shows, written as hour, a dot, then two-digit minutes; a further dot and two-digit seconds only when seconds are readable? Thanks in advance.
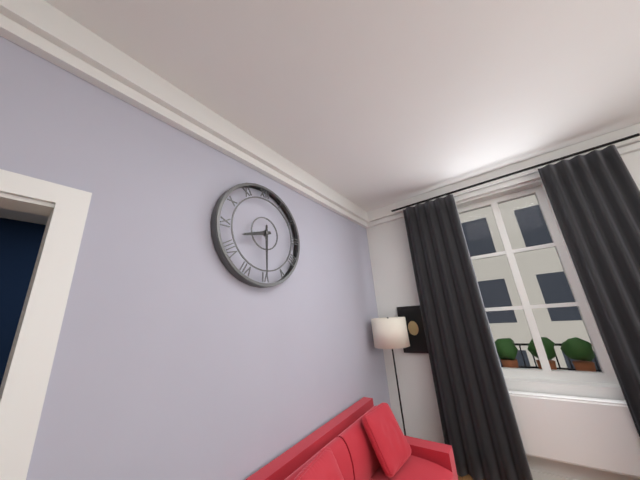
8.30
